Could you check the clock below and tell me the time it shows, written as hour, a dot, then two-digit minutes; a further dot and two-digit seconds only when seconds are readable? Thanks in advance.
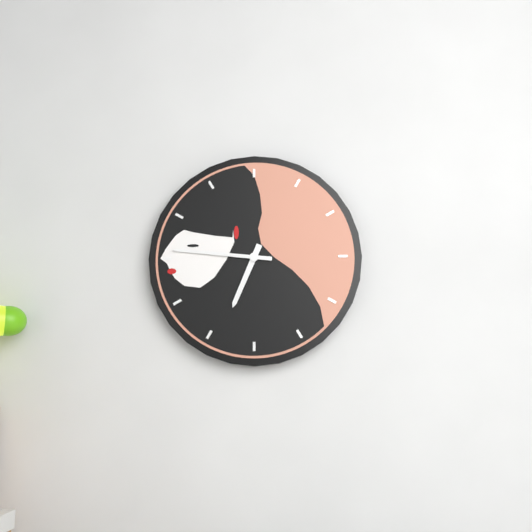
6.46
